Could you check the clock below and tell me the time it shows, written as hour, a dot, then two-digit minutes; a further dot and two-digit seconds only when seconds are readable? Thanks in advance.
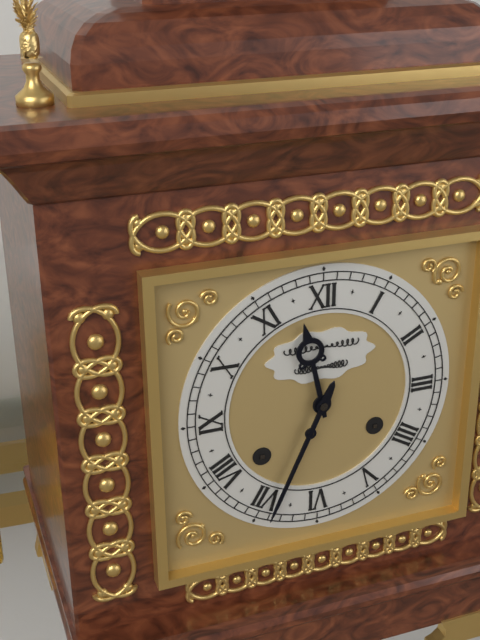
11.34
